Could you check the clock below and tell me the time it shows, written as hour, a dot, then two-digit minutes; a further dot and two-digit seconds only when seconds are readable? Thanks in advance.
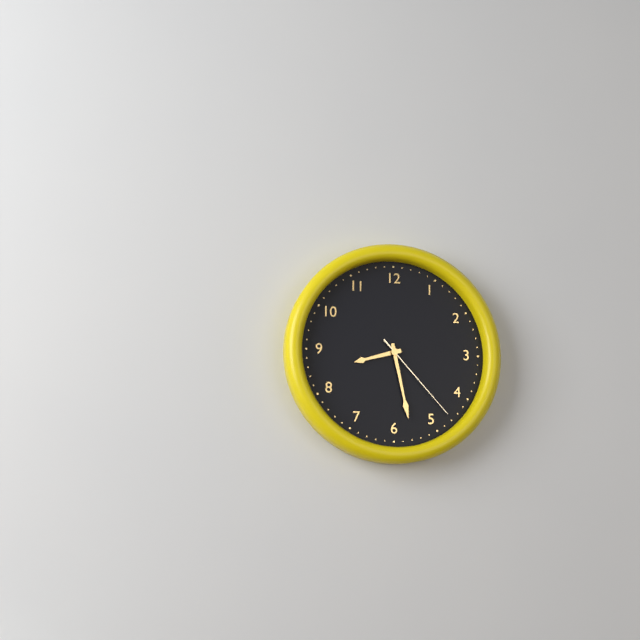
8.28.23
